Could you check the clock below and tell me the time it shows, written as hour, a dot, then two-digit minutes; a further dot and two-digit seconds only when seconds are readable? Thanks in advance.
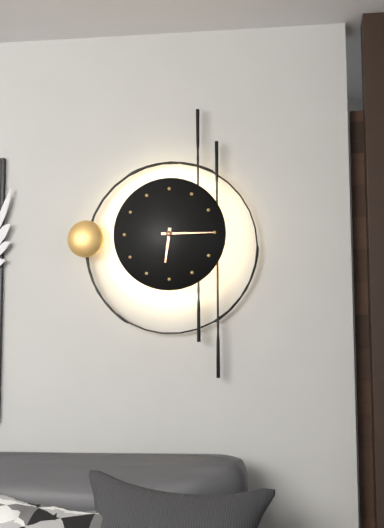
6.15
